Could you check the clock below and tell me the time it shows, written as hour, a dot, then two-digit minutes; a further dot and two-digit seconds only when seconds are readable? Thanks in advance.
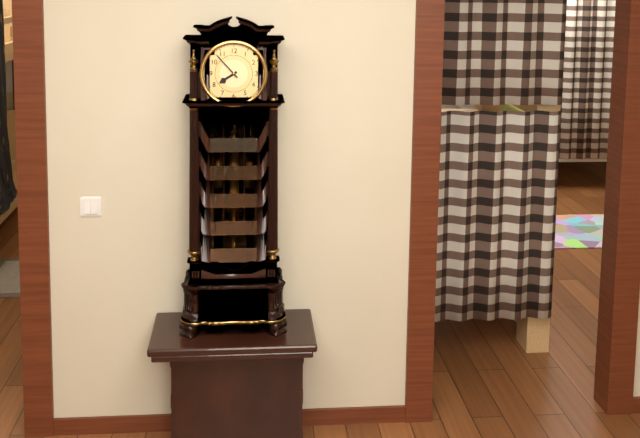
7.53
